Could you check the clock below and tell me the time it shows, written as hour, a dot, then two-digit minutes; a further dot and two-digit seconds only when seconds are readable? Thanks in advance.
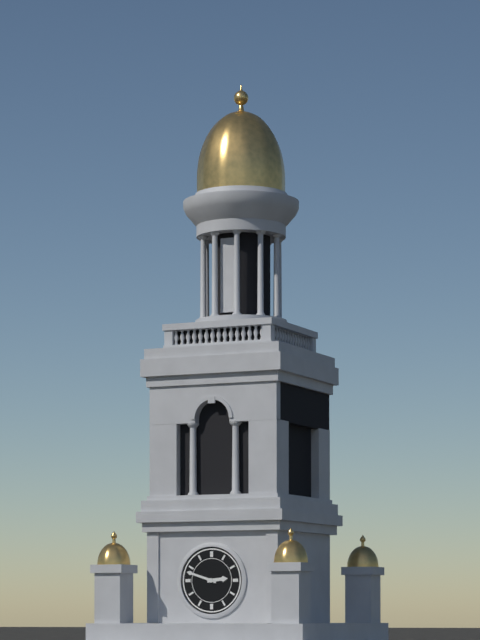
2.48
